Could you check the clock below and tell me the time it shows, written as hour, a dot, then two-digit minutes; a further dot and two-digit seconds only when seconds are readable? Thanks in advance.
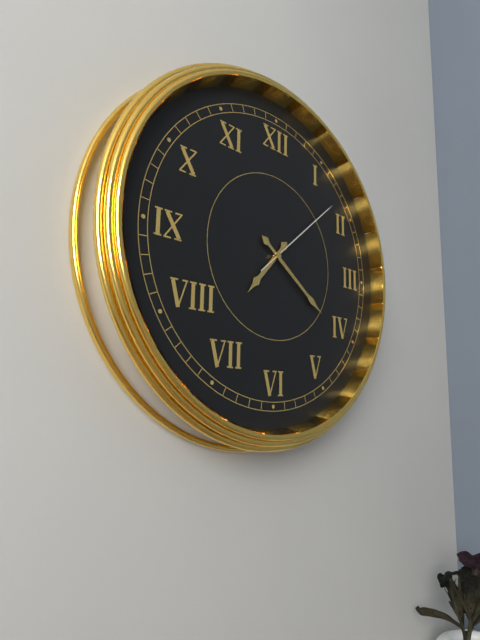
7.21.08
